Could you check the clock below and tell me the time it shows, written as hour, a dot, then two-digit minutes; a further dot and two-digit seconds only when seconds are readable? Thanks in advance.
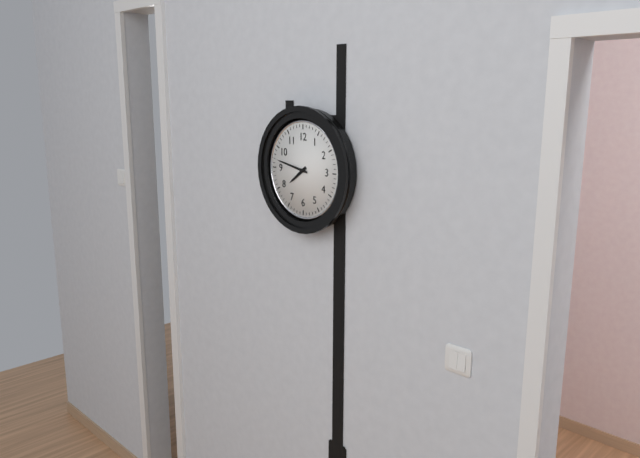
7.47
